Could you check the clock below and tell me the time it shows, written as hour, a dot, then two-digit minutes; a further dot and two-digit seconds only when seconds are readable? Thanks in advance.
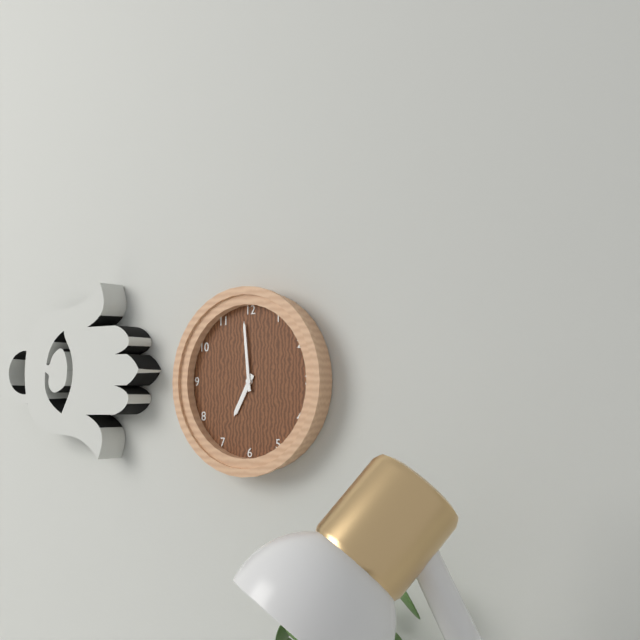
6.59
